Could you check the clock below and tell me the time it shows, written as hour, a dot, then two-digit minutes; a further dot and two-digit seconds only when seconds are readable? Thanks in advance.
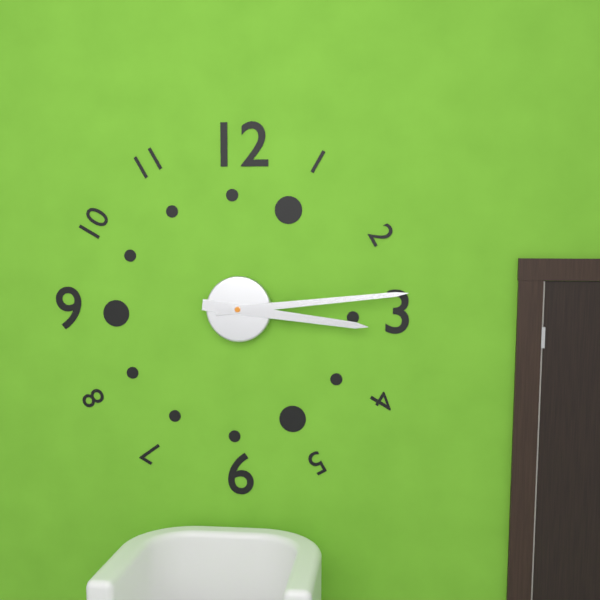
3.14
